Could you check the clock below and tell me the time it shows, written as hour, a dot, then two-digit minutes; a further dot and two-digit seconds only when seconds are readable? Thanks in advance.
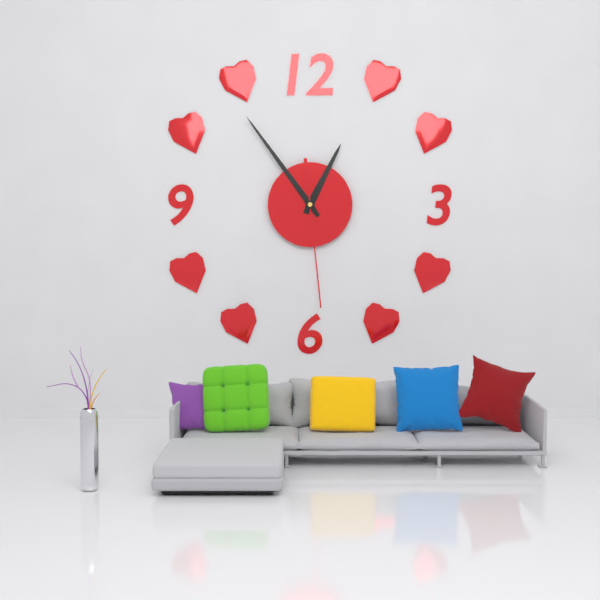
12.54.29
